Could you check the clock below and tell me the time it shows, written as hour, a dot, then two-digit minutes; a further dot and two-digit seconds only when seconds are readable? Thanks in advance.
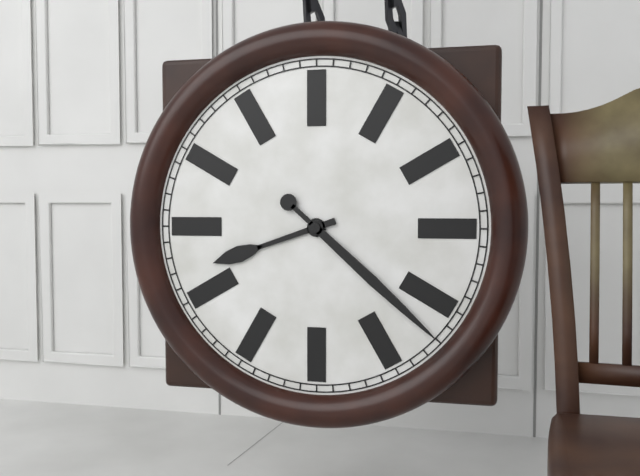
8.22
